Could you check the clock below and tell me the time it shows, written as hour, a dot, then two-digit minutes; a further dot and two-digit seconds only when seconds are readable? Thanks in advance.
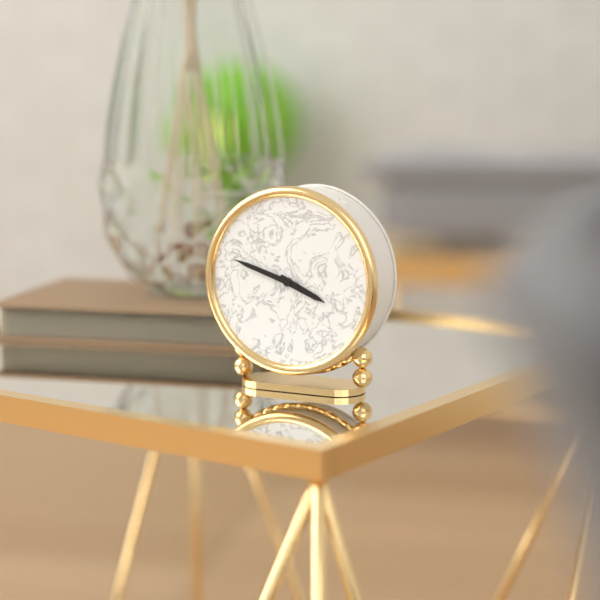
3.48
